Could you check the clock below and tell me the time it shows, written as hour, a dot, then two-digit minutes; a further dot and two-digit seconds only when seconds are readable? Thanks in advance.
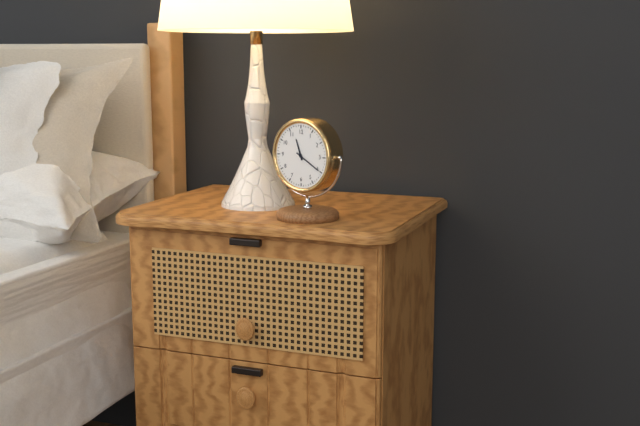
11.20
